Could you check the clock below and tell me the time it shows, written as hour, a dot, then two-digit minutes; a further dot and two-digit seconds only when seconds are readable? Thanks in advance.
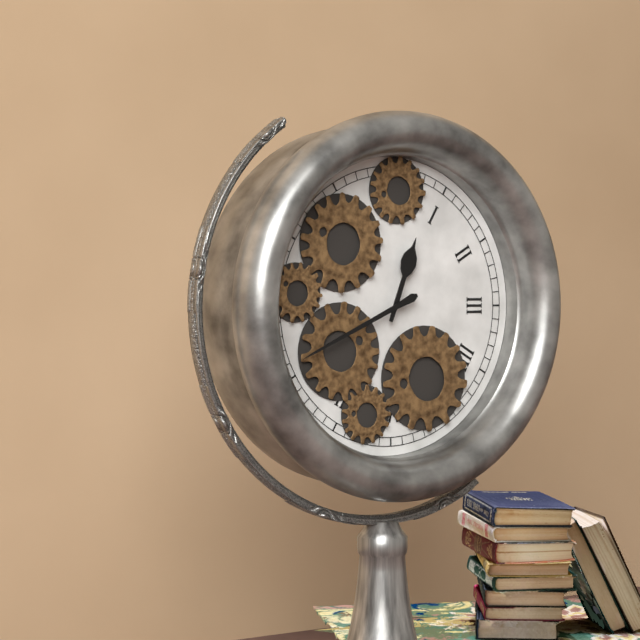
12.41
